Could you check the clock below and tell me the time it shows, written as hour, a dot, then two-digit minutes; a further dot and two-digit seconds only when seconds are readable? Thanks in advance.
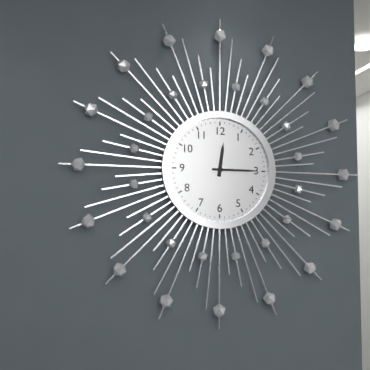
12.15
